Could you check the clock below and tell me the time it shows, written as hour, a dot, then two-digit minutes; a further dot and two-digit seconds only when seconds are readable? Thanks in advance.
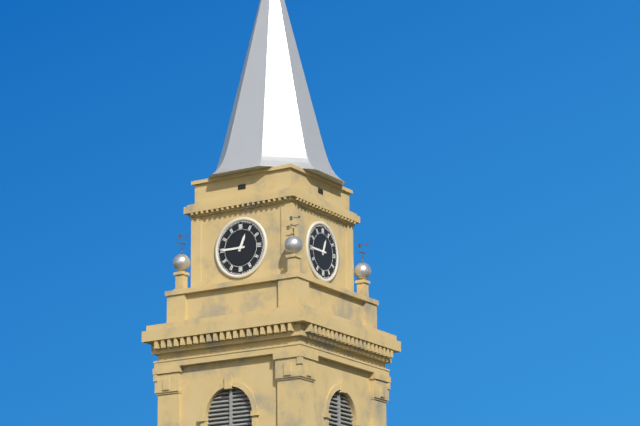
12.45
